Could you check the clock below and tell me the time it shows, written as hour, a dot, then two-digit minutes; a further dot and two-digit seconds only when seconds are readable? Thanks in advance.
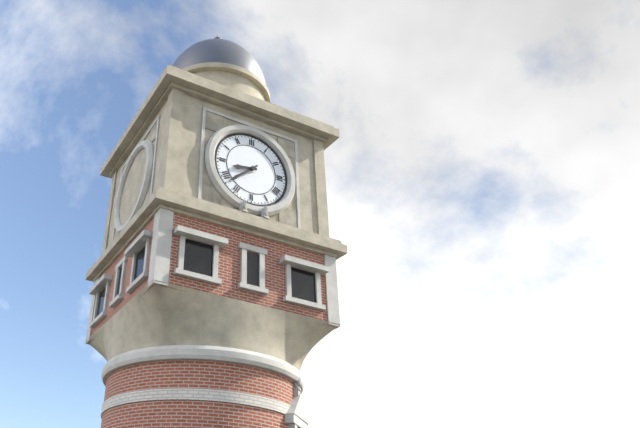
8.38
